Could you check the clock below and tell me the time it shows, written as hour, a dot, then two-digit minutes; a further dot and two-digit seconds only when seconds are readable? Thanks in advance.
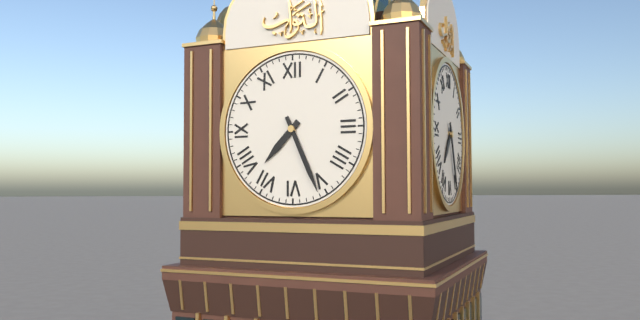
7.26
